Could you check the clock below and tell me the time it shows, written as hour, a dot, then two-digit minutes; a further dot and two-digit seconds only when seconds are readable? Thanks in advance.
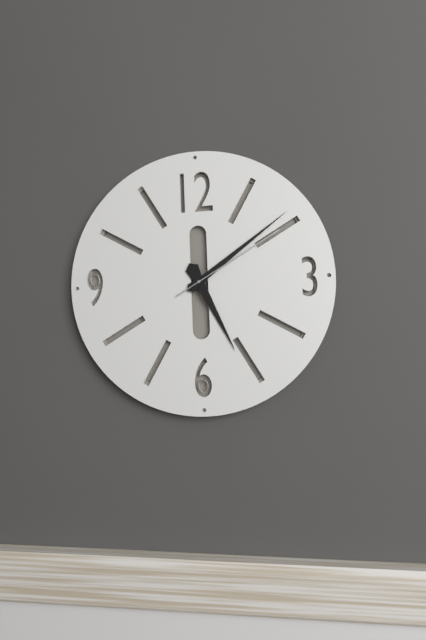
5.09.10
